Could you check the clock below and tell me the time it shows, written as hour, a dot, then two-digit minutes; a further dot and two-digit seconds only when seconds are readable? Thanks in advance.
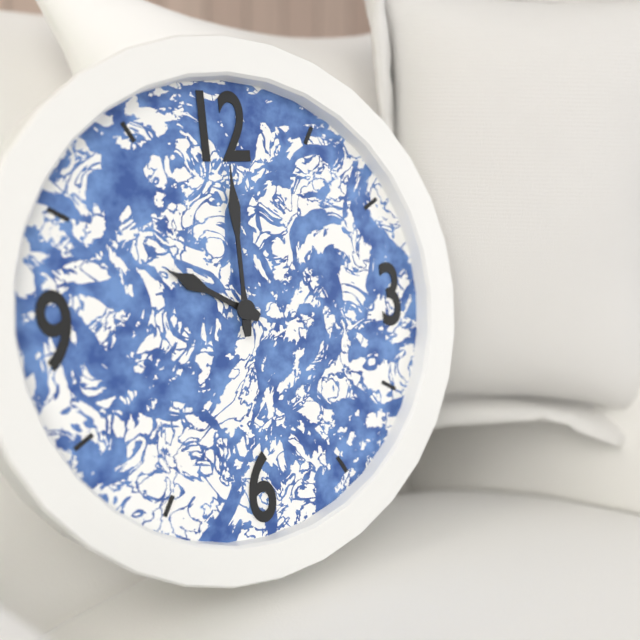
10.00
